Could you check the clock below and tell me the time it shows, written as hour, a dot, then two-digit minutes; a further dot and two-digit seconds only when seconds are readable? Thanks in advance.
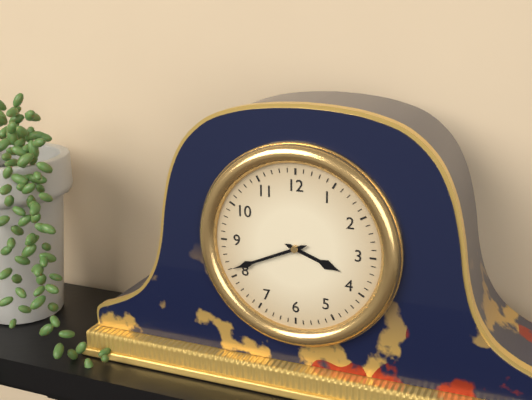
3.41
